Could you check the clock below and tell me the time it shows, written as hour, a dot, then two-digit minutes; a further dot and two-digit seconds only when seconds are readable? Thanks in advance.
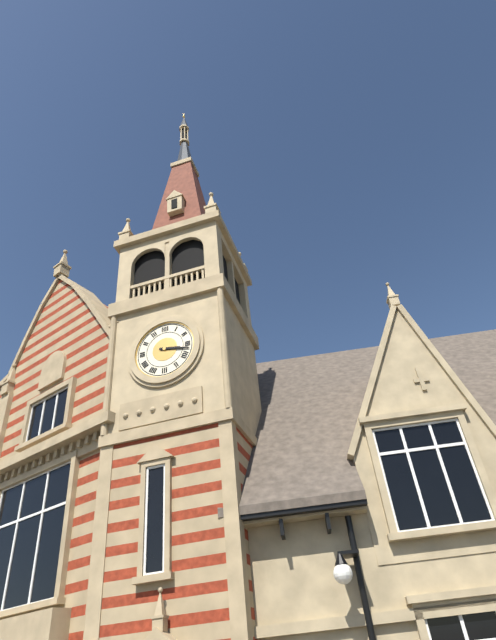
3.17
